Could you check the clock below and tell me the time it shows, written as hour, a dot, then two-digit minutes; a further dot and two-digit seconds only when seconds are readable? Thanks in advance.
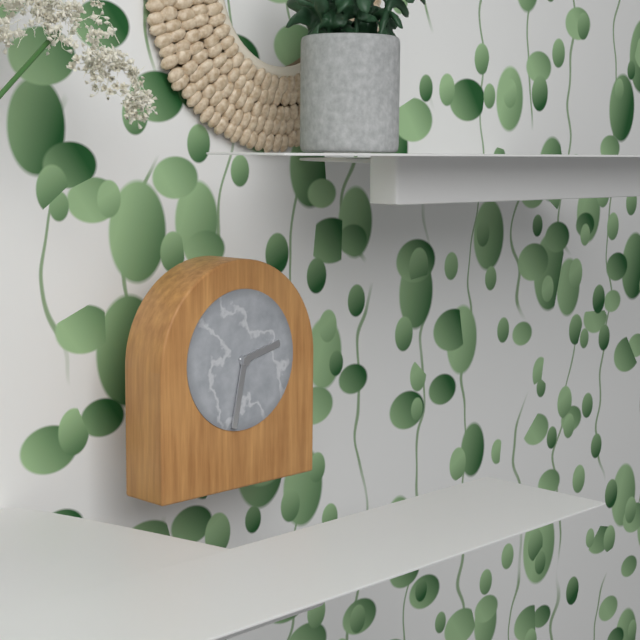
2.32
